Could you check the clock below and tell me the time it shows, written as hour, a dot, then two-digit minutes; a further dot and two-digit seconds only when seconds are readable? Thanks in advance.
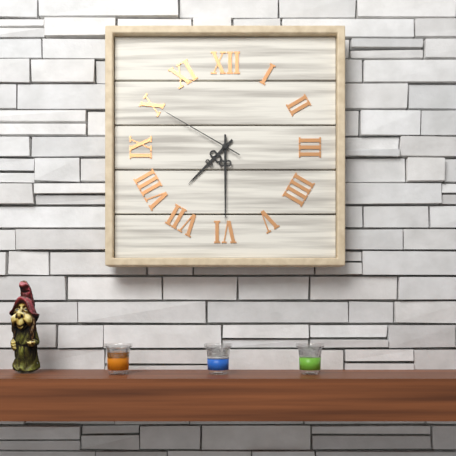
7.30.50
